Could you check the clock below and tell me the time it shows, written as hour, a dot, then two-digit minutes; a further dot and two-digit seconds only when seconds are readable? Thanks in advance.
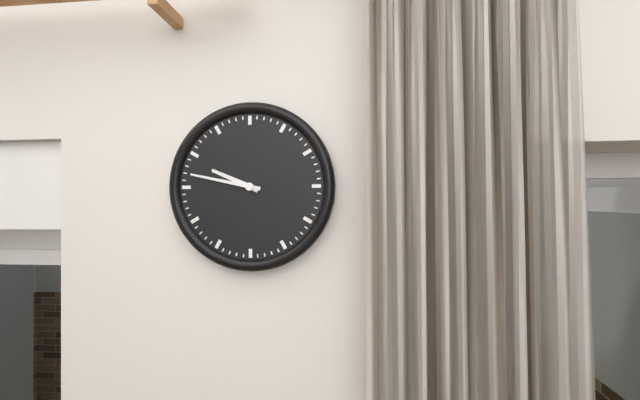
9.47
